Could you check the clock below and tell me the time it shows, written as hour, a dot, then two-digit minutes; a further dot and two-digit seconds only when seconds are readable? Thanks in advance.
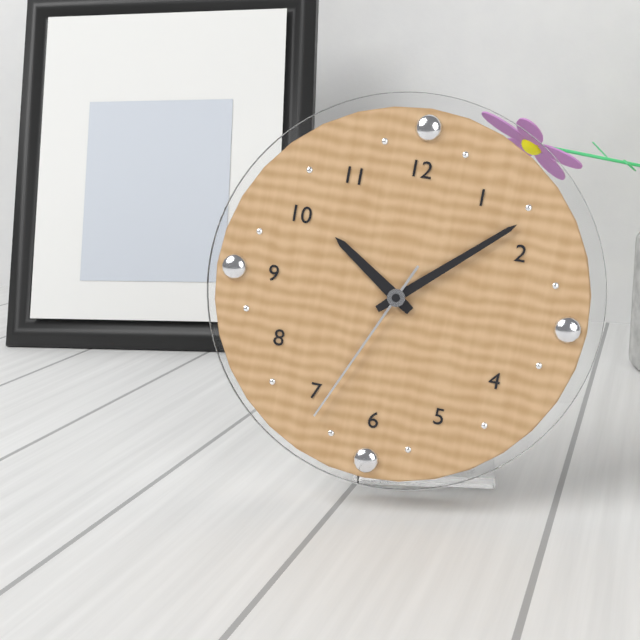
10.08.34
